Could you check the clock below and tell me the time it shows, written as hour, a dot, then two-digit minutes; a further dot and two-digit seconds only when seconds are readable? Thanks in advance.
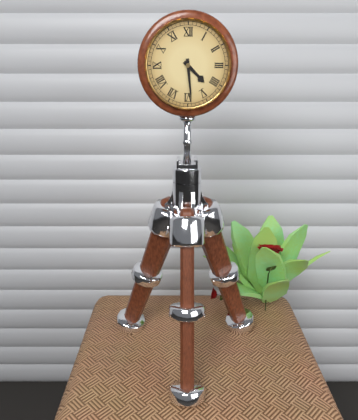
4.29
